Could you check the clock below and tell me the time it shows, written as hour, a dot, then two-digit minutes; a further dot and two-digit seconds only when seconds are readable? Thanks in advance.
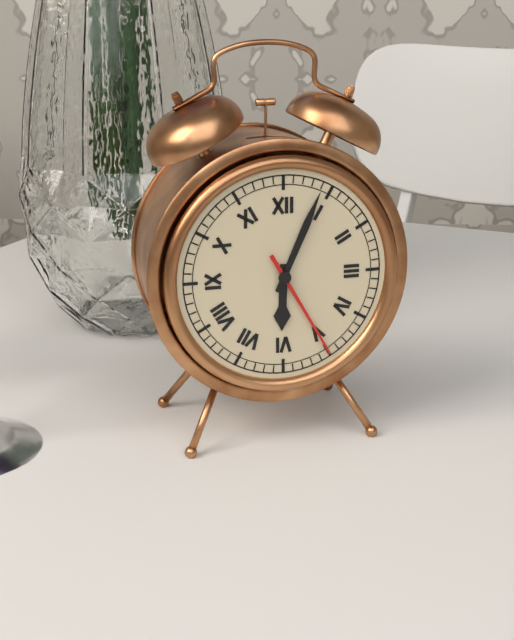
6.04.25
